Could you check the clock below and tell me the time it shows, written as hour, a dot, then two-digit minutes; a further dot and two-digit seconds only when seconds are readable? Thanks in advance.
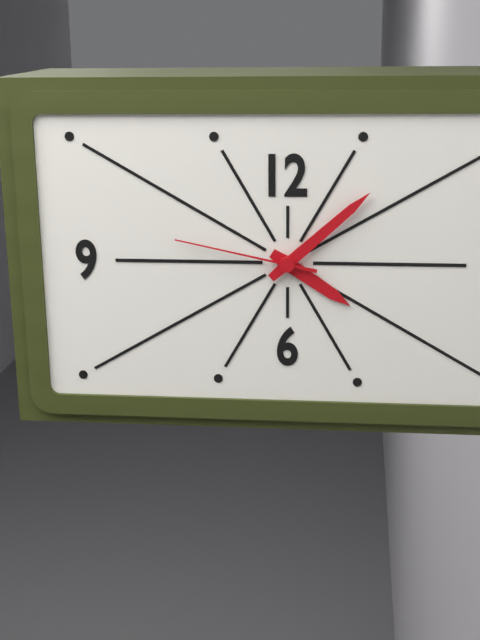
4.08.47
